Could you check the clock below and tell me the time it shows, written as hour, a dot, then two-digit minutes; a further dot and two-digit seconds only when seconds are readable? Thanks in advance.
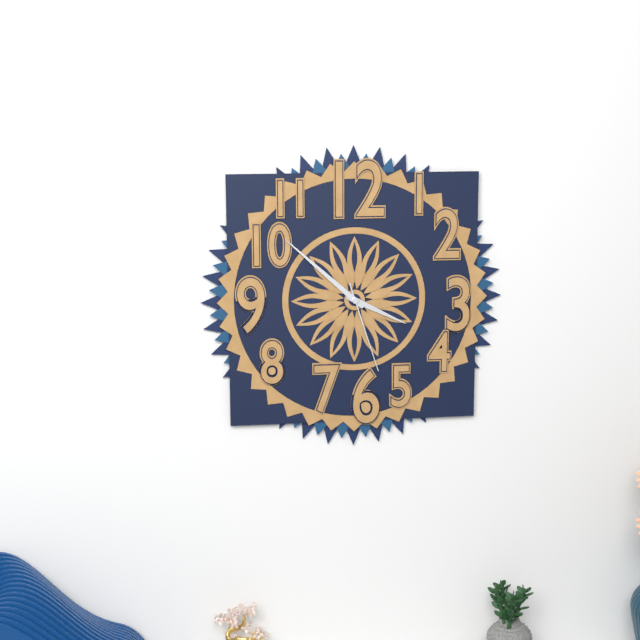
3.52.27
